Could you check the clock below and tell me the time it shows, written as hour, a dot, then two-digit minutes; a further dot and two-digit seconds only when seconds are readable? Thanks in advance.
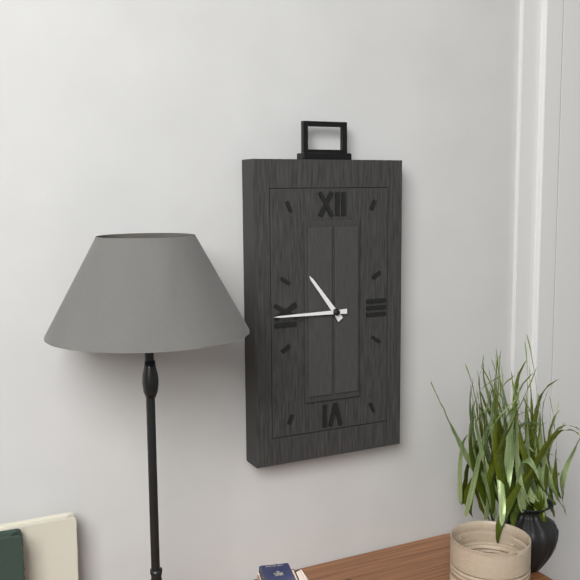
10.45
